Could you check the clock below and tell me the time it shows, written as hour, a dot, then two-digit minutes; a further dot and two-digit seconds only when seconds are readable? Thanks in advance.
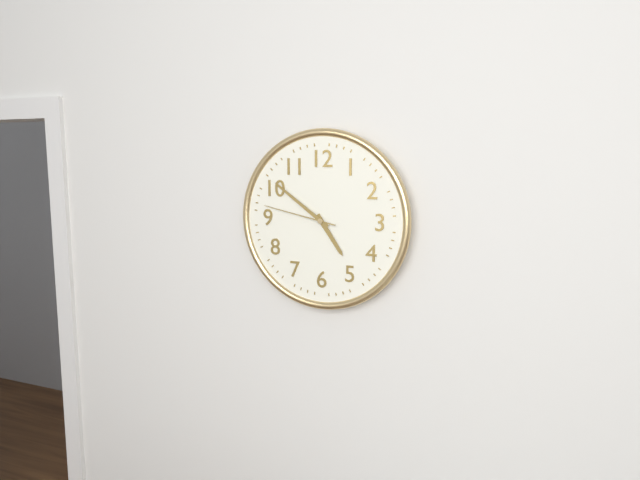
4.51.47
